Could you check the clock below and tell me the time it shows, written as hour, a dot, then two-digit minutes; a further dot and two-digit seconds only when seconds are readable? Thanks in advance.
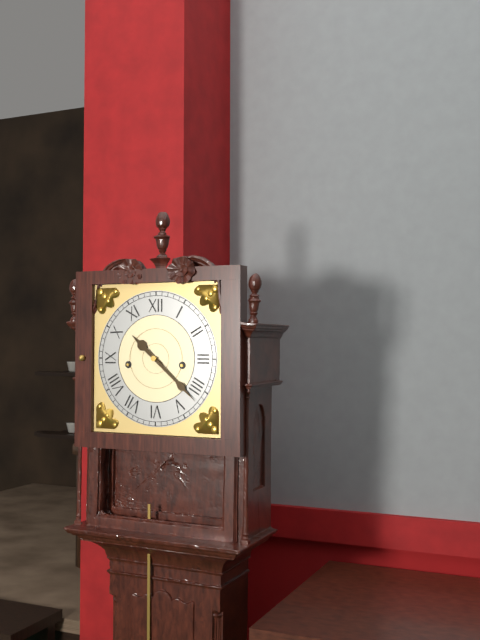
10.22
